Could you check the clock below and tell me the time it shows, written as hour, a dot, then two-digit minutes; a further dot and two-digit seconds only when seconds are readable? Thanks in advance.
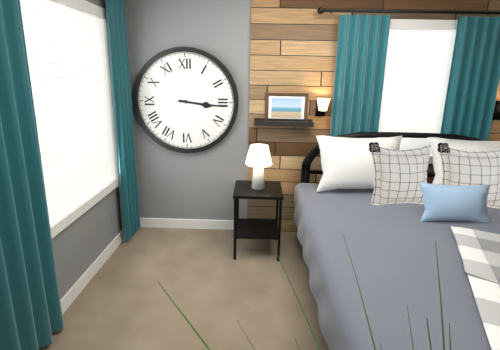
3.16
